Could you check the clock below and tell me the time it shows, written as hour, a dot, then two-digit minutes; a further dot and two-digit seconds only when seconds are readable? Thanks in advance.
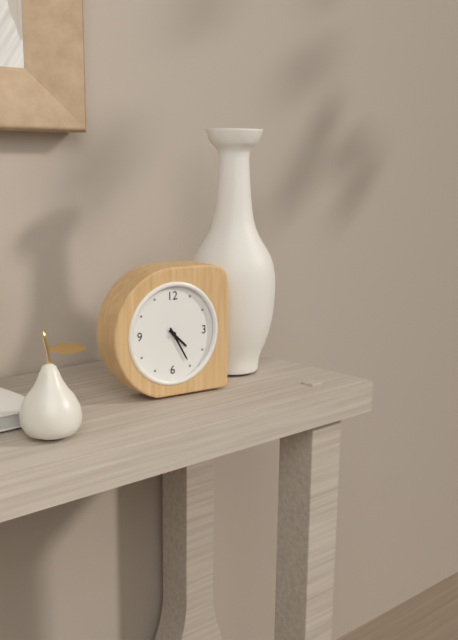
4.25
